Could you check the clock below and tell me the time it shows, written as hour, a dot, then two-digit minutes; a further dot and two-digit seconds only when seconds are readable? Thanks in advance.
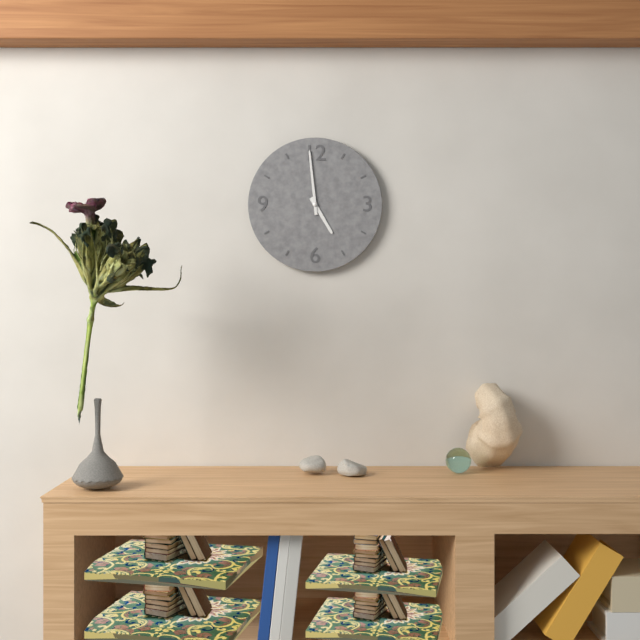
4.59
